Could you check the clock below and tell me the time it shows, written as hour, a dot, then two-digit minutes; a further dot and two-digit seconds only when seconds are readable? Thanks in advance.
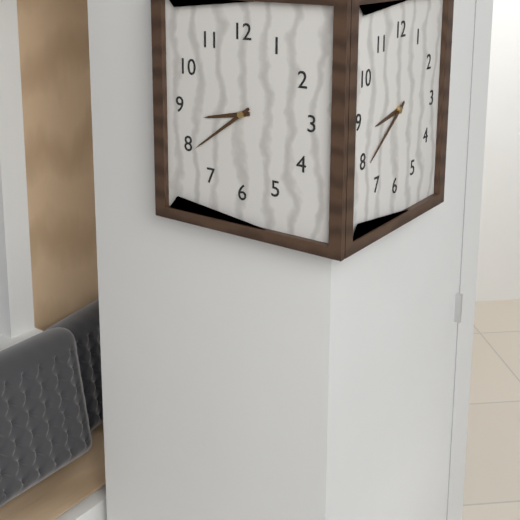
8.39
